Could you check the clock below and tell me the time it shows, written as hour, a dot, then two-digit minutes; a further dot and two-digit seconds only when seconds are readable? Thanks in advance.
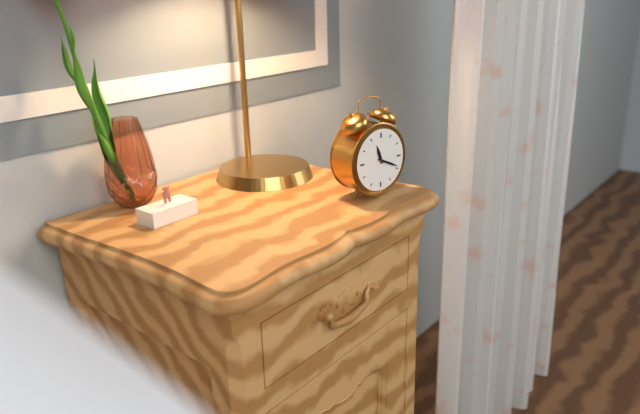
11.19
